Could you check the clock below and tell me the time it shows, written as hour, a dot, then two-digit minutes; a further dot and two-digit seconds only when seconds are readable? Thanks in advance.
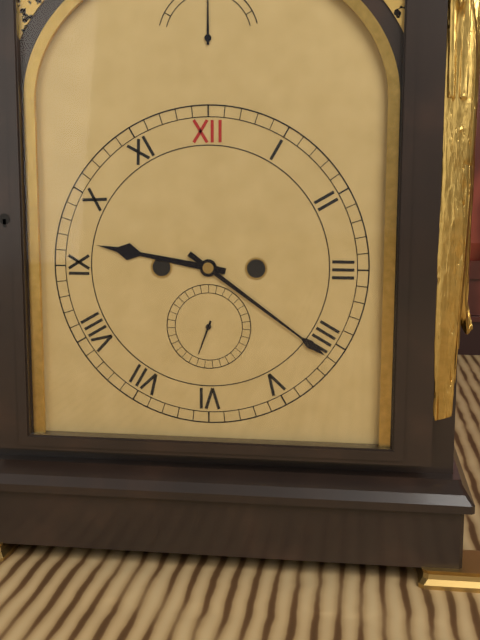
9.21
